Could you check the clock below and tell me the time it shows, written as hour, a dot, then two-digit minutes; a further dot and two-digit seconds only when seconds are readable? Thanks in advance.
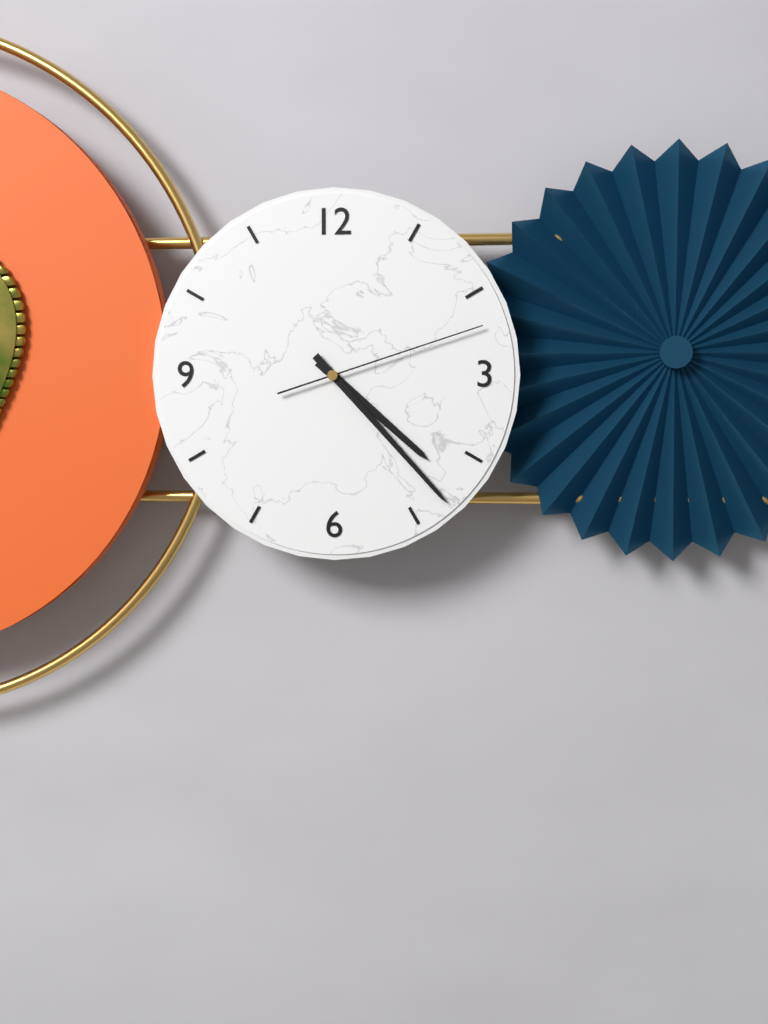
4.23.12
